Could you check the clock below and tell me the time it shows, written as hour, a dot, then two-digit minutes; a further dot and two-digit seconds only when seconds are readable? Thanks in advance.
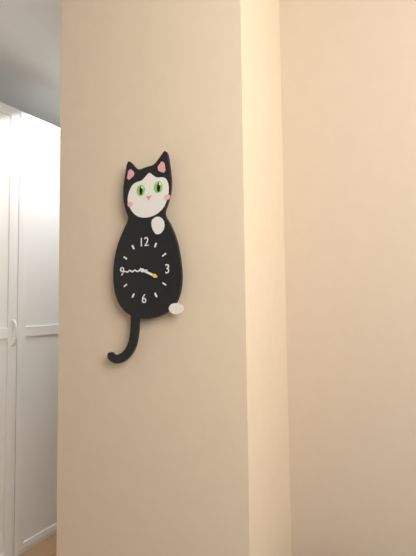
3.45
